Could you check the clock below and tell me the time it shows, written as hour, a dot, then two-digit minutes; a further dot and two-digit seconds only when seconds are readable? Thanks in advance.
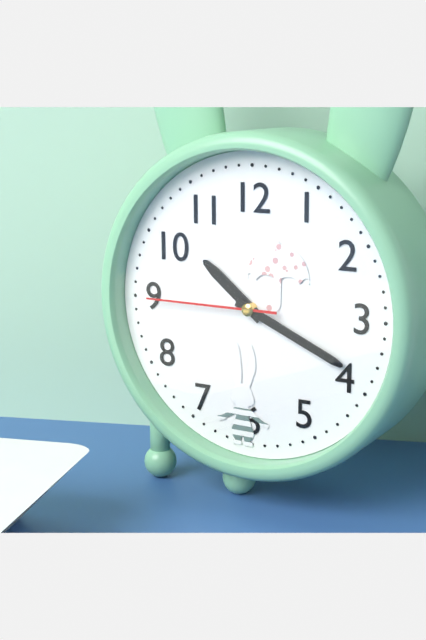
10.19.45
